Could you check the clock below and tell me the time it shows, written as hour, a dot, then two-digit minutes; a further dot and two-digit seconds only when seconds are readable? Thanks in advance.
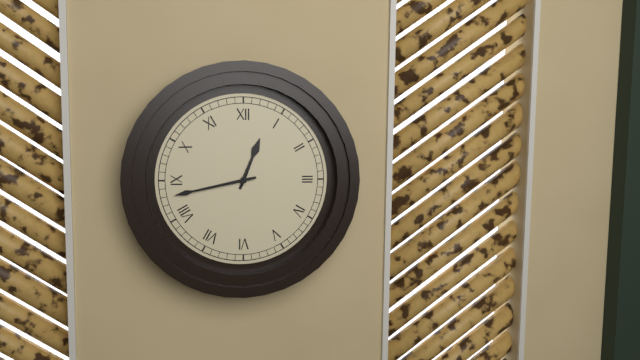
12.43
